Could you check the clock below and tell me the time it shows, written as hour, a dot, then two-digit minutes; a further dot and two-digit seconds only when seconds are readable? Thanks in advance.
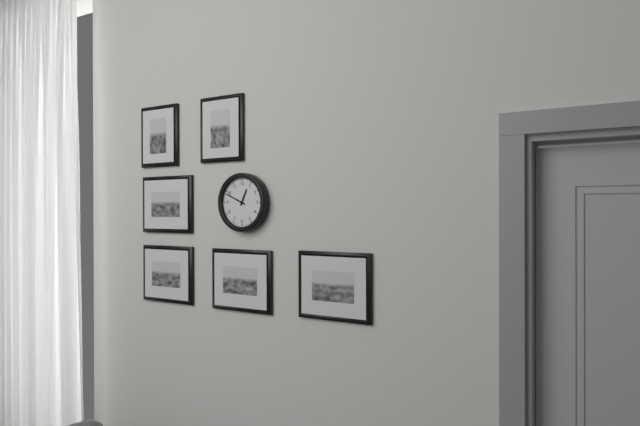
12.49
